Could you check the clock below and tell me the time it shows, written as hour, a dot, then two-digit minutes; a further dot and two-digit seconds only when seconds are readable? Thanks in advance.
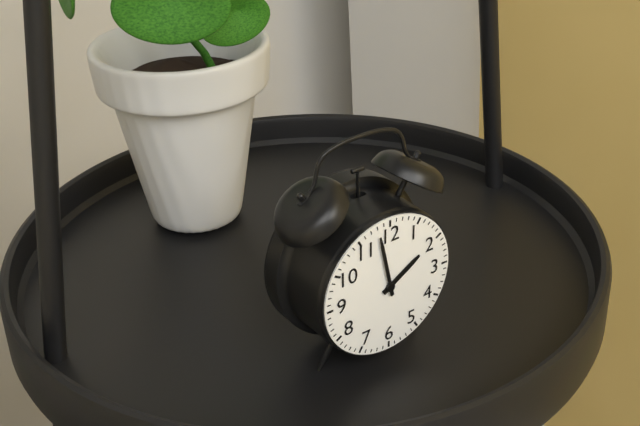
1.58
